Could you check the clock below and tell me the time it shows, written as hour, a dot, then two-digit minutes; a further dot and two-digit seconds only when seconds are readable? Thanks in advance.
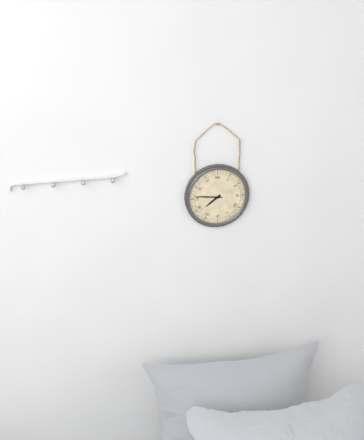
7.46
